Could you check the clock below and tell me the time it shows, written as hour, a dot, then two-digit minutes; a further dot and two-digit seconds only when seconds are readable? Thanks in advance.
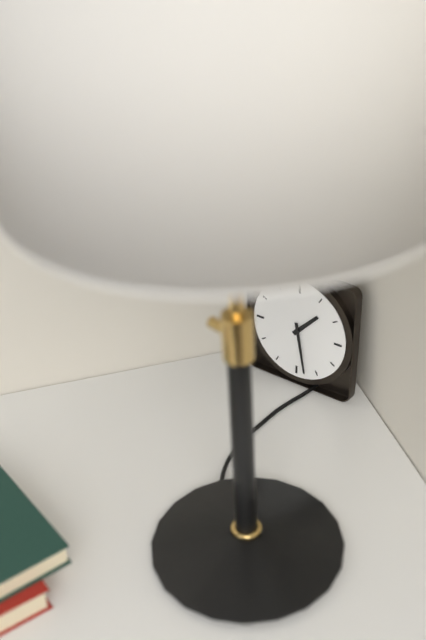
1.28
